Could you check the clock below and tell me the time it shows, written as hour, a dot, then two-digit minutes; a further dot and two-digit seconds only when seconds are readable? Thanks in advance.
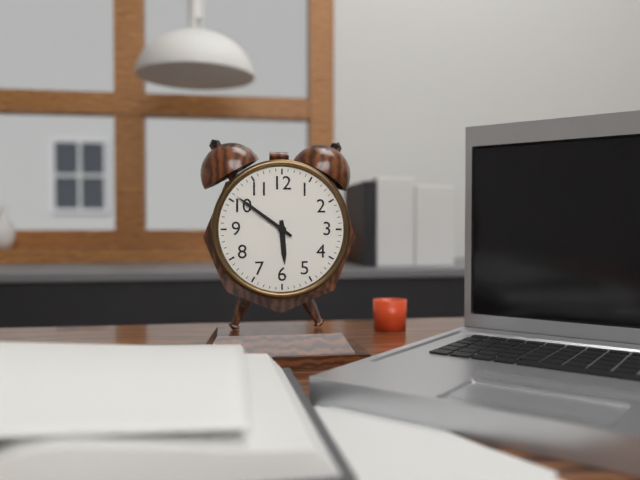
5.51
